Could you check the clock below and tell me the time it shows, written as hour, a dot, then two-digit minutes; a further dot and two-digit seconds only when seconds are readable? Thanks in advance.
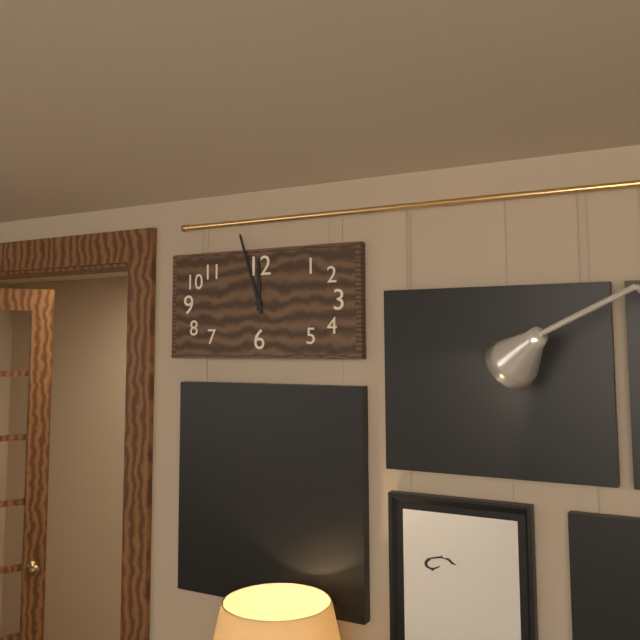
11.57
